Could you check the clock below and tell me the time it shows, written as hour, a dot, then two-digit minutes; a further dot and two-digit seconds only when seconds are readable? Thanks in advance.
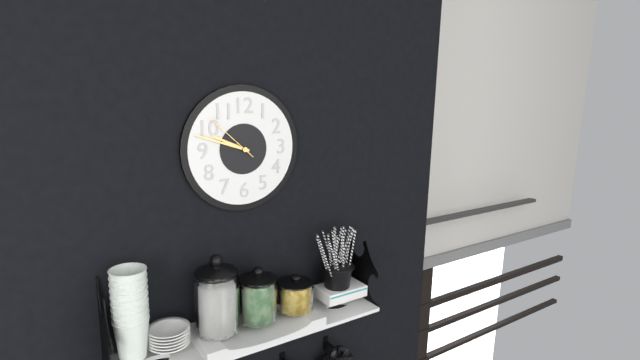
9.48.52
